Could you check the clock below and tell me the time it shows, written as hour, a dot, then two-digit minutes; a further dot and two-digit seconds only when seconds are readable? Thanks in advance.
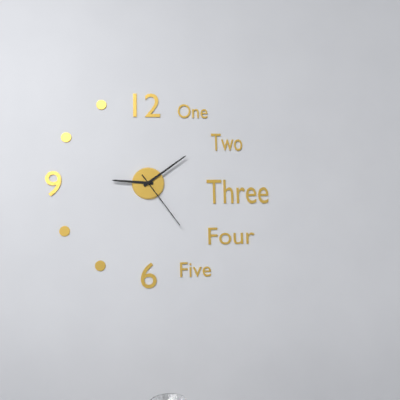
9.09.24
